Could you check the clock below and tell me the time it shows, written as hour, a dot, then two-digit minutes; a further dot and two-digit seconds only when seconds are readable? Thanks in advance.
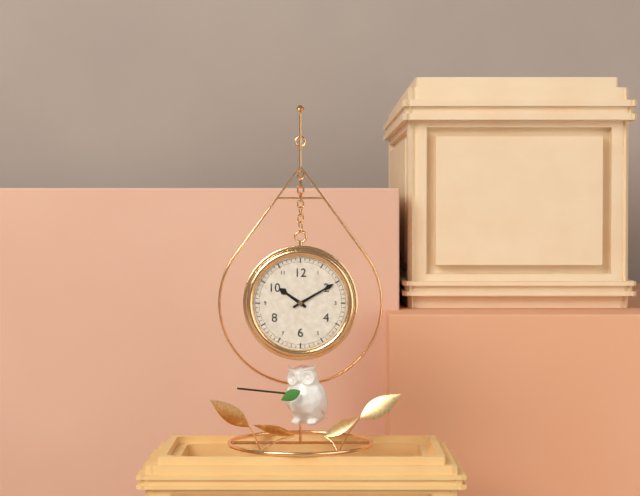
10.10
